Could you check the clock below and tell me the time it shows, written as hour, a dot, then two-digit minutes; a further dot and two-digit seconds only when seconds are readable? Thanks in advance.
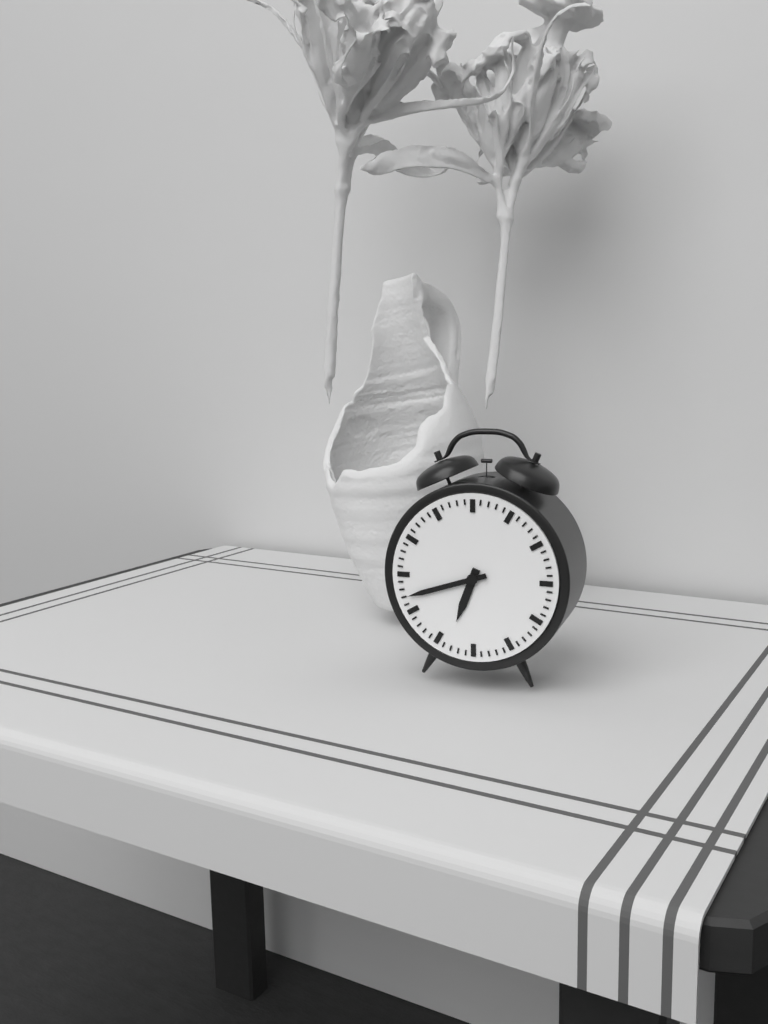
6.42
